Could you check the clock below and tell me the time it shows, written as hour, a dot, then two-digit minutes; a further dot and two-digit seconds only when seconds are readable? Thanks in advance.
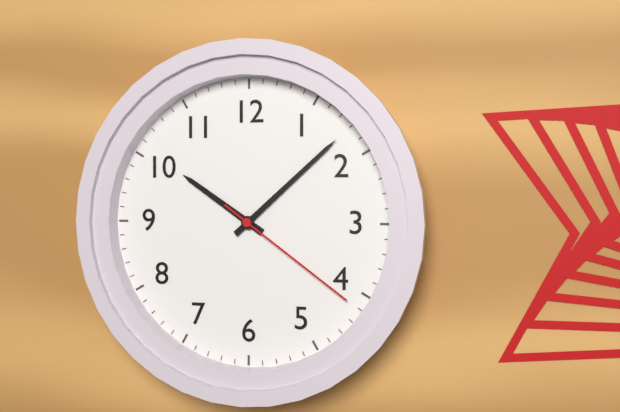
10.08.21
